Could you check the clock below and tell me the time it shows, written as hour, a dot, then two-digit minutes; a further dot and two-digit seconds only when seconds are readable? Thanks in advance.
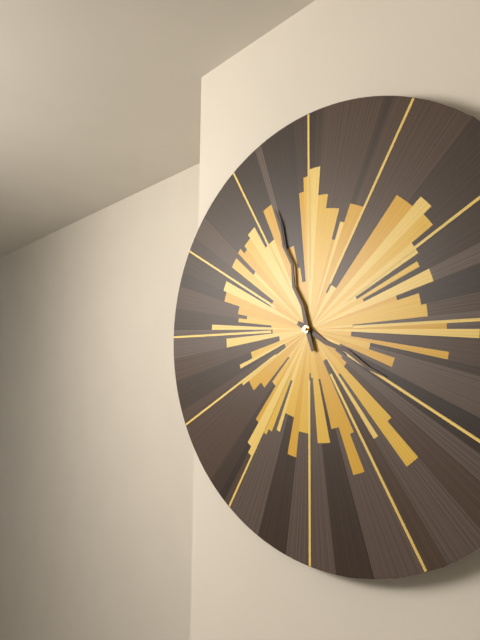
3.57
